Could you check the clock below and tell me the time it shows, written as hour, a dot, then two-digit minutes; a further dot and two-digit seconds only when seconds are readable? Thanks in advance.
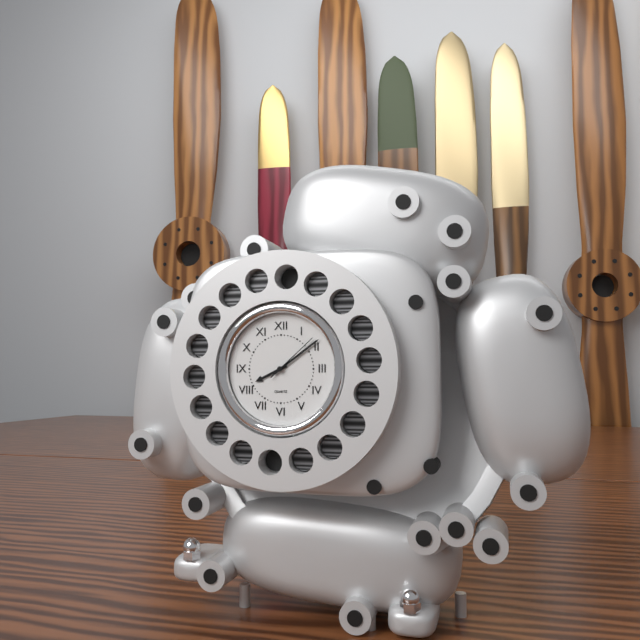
8.09.08
